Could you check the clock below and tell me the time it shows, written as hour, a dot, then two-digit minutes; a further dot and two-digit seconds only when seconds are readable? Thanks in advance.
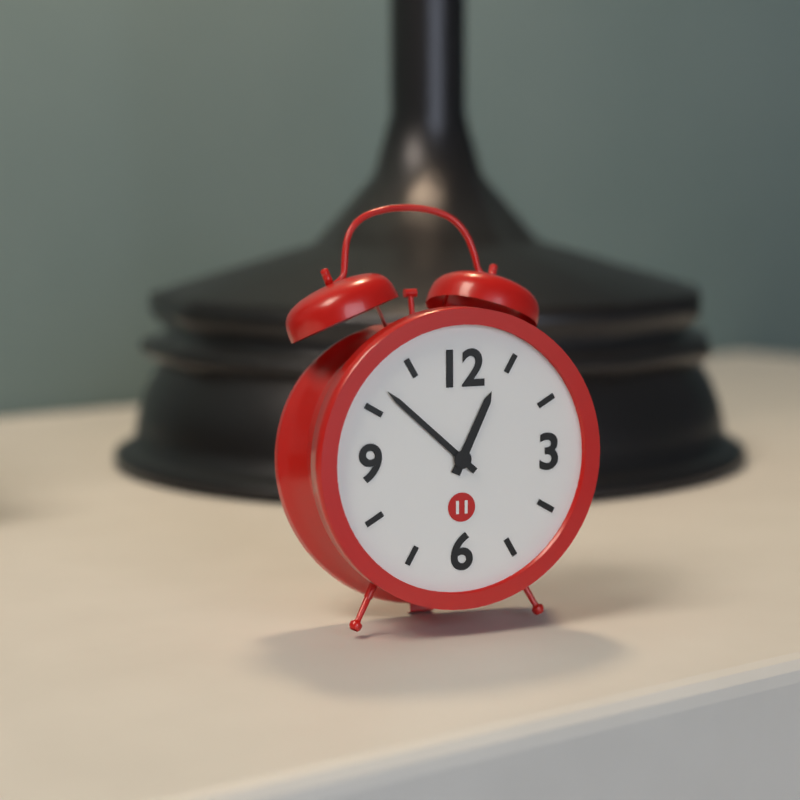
12.52
